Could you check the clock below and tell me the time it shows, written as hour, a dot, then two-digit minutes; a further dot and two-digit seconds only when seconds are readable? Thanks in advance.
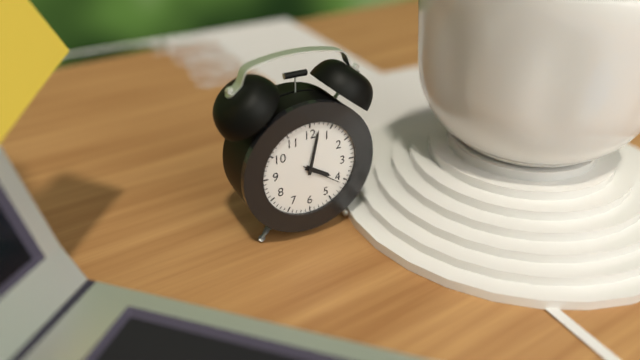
4.02
